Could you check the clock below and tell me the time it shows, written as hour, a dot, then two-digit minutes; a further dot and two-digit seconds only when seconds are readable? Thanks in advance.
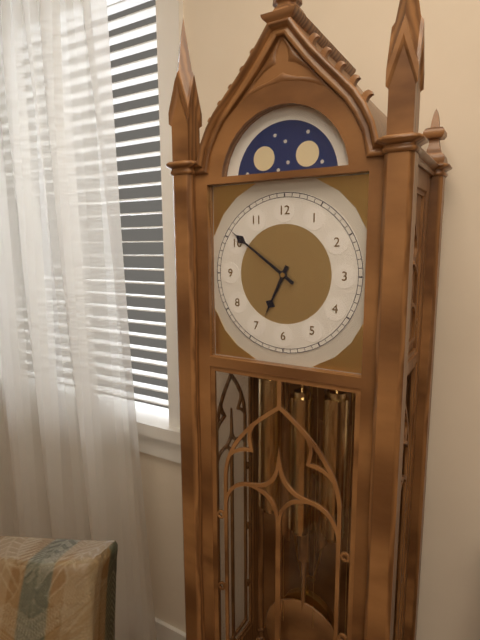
6.51
